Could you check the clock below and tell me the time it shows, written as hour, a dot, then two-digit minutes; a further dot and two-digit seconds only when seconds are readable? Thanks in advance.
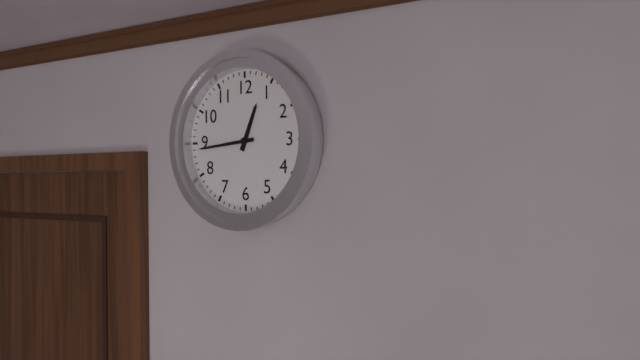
12.44
